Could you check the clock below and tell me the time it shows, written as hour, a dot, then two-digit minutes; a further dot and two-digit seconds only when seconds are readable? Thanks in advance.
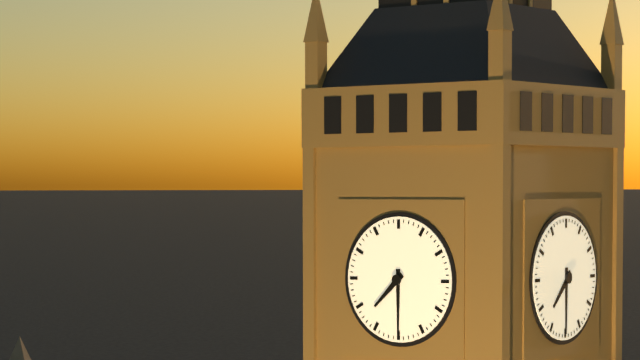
7.30
